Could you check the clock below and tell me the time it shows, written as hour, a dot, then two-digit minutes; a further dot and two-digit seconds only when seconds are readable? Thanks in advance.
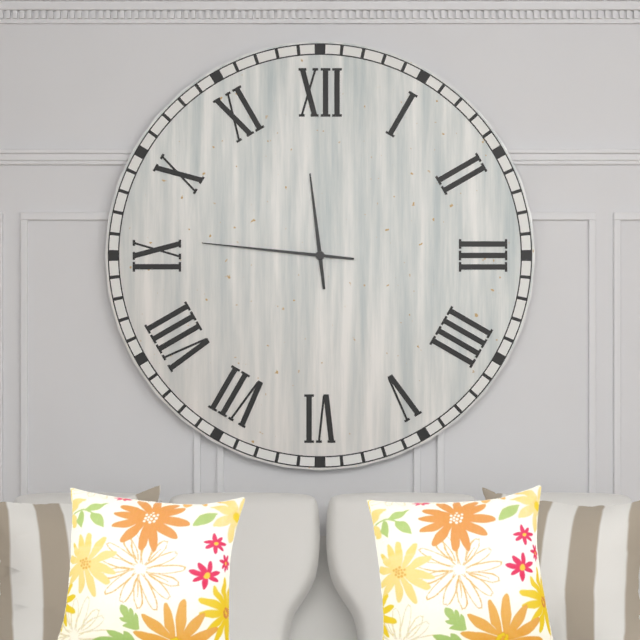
11.46
